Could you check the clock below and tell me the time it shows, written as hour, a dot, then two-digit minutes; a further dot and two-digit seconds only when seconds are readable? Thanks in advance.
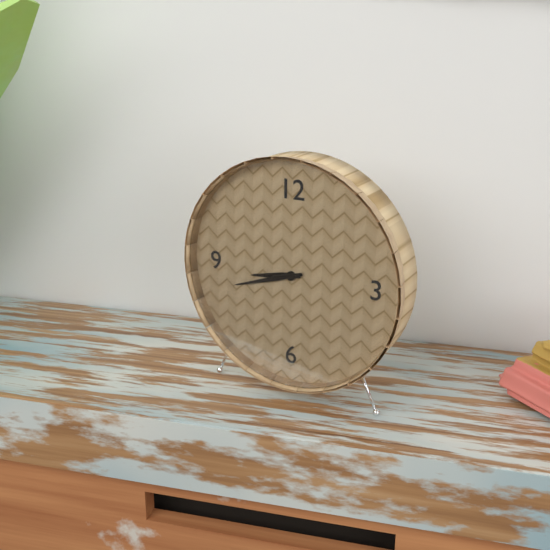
8.42
